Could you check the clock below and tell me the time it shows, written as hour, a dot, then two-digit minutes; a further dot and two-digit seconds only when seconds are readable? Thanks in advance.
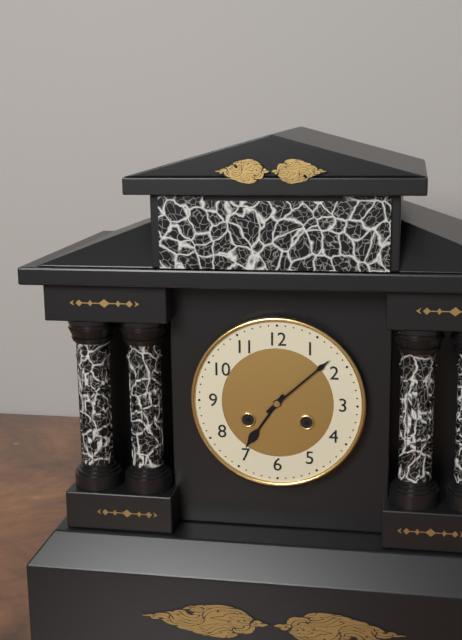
7.08
